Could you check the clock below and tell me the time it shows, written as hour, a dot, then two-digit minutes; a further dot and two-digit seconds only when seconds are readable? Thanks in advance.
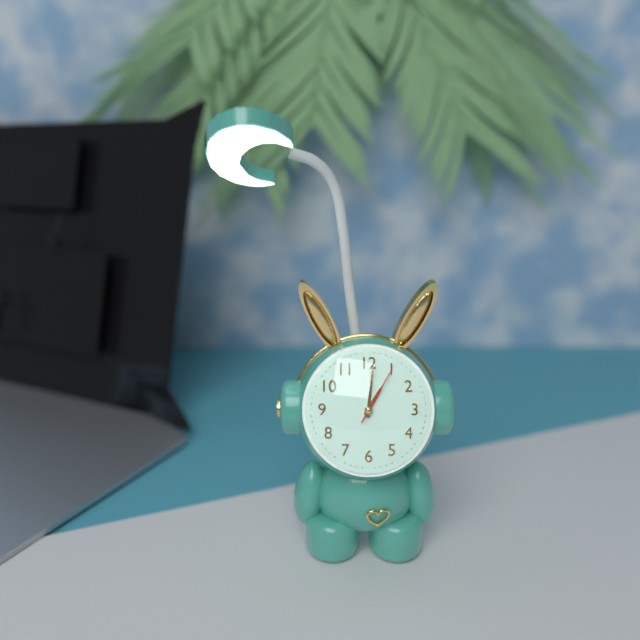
1.01.05
